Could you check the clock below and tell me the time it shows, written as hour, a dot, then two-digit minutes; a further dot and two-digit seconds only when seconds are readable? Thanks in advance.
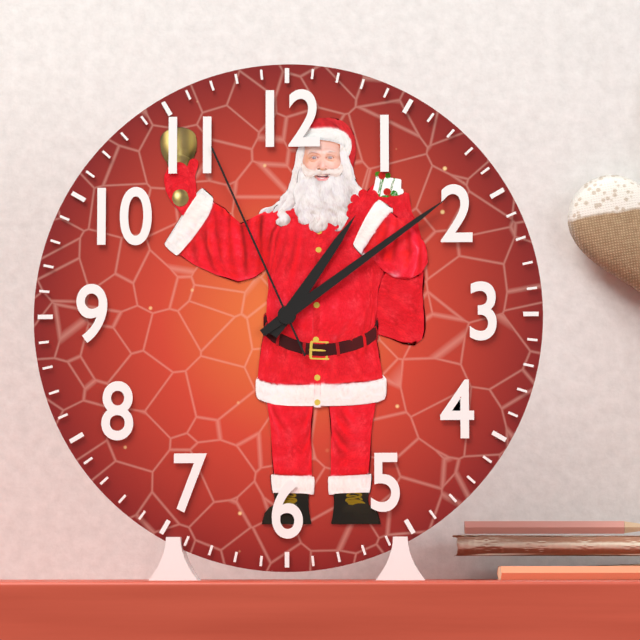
1.09.56
